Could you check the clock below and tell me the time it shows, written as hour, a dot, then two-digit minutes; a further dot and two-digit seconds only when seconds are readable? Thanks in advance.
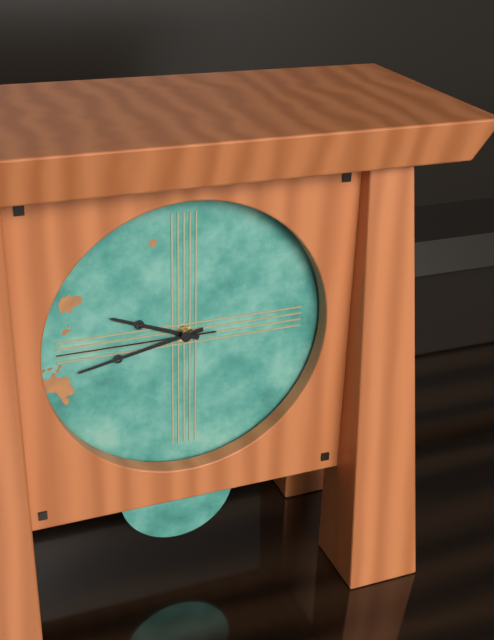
9.43.45
